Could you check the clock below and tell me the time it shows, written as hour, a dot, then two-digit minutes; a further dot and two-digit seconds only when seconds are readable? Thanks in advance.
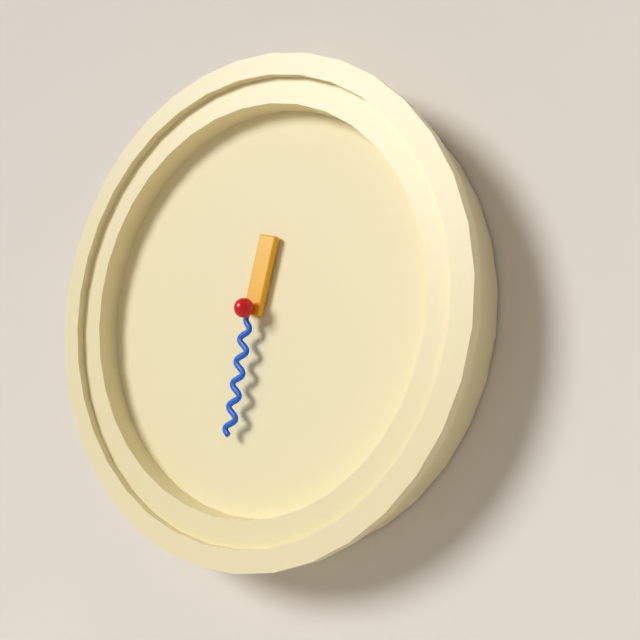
12.32
